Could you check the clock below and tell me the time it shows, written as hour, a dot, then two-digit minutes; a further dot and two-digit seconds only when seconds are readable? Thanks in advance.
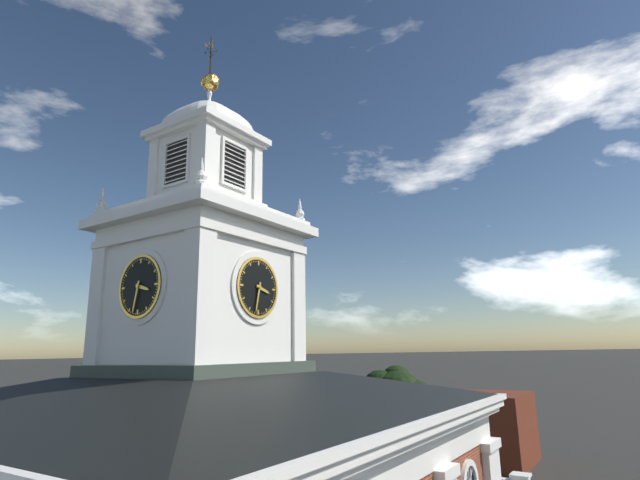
3.32
